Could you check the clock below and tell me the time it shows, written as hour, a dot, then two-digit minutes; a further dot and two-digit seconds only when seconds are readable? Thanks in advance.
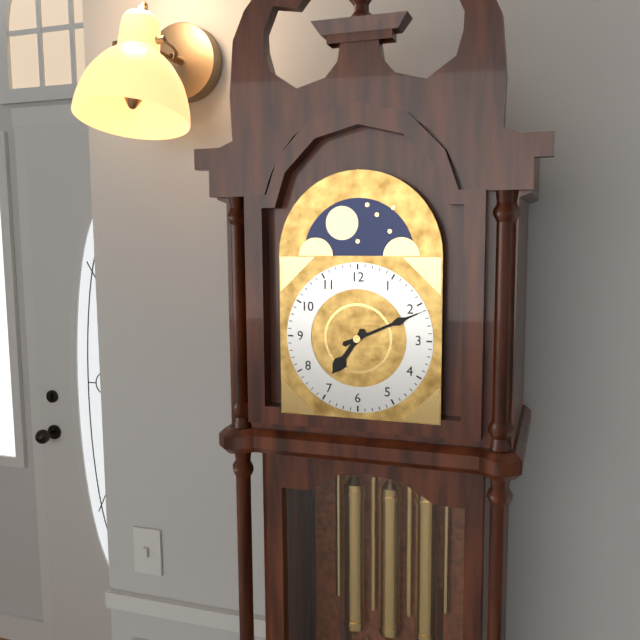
7.11
